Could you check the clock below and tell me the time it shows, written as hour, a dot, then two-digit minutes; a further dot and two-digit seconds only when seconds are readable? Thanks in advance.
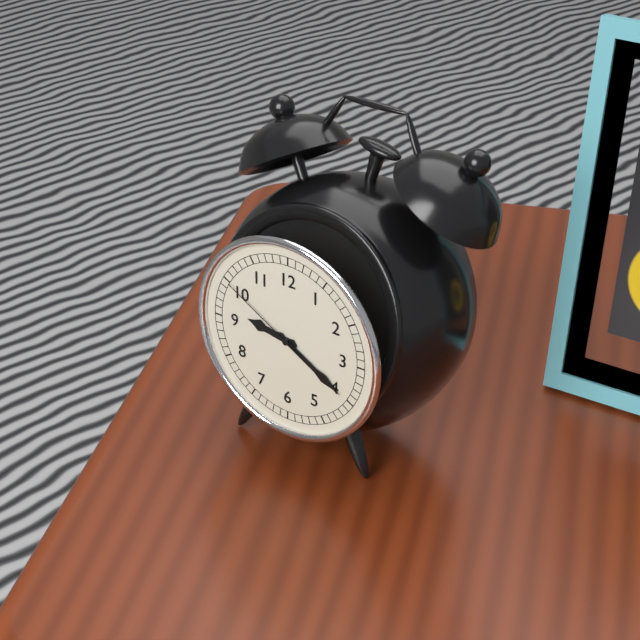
9.20.50
